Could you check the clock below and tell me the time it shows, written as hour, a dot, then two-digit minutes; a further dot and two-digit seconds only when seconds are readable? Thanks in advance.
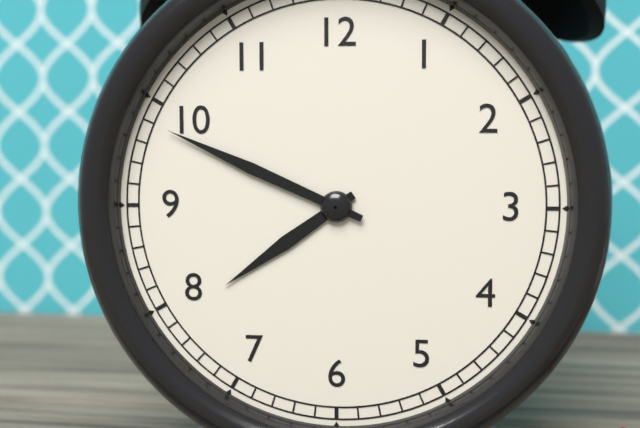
7.49
